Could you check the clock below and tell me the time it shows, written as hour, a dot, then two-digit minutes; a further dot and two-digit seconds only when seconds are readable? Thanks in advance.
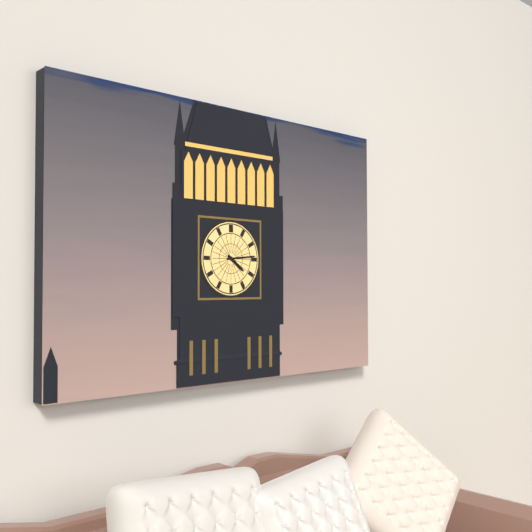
4.14
